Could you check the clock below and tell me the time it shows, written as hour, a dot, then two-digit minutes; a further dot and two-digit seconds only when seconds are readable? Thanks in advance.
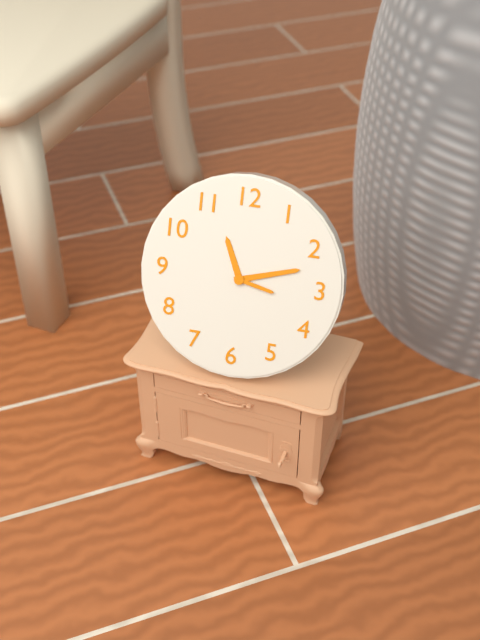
11.12
